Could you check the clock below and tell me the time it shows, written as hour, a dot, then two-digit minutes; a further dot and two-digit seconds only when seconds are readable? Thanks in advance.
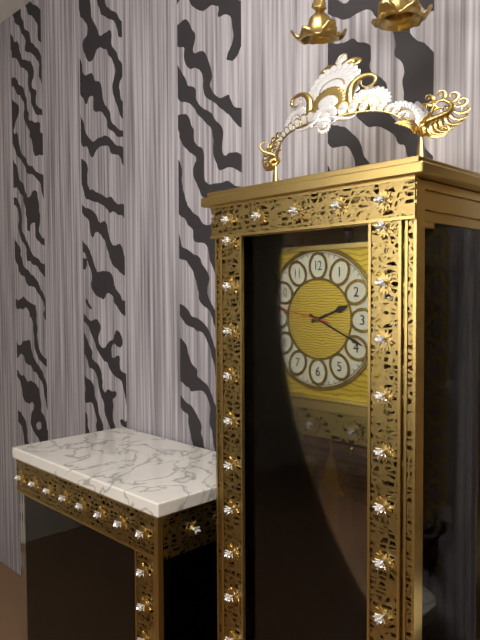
2.19.47
